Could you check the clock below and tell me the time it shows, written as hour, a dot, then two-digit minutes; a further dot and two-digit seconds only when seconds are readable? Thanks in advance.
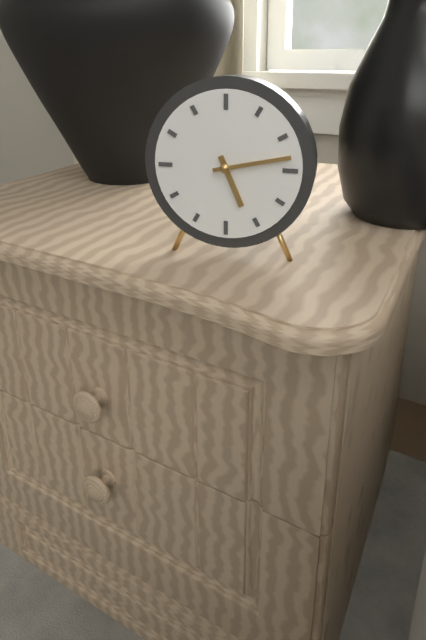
5.13
